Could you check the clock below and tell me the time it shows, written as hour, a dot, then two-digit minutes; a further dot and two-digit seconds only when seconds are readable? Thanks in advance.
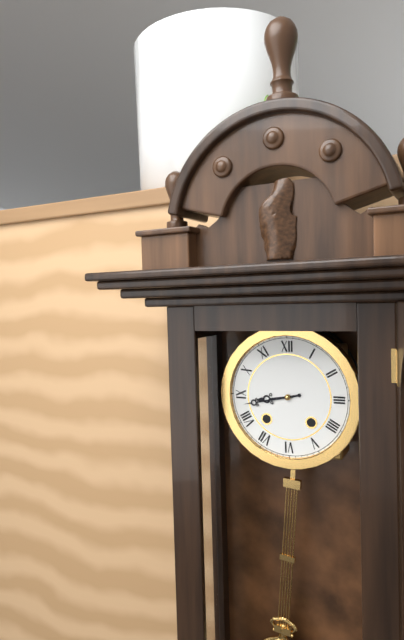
8.43
